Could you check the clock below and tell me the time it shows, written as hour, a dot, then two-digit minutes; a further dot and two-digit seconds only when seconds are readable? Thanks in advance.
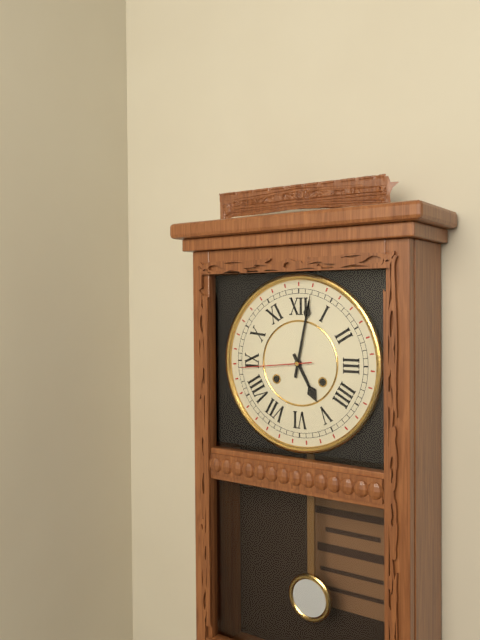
5.02.44
